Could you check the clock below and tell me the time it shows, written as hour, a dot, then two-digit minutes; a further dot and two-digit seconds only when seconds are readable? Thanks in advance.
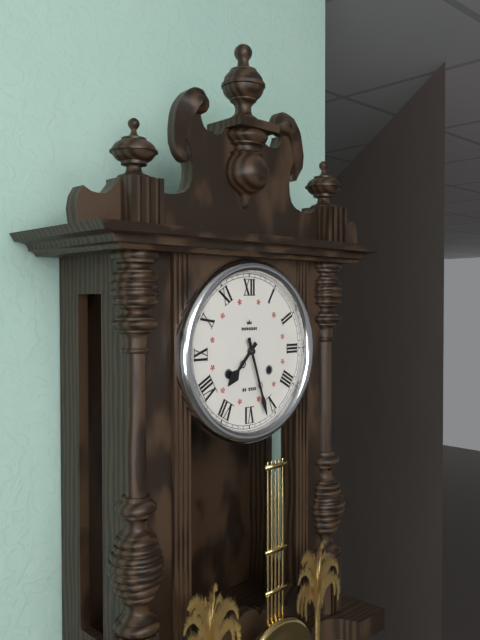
7.27
